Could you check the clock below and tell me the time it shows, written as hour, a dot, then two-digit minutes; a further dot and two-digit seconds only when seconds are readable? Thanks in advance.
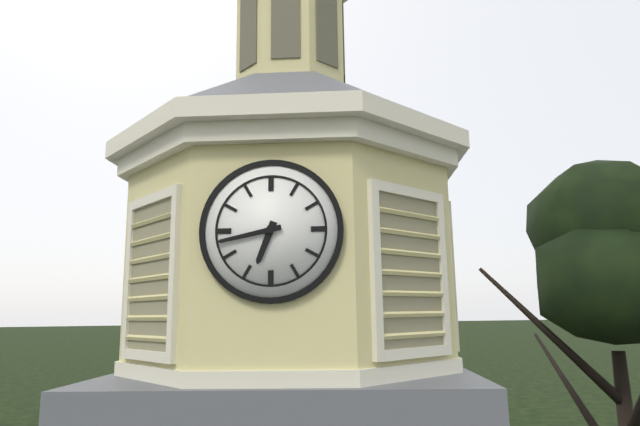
6.43
